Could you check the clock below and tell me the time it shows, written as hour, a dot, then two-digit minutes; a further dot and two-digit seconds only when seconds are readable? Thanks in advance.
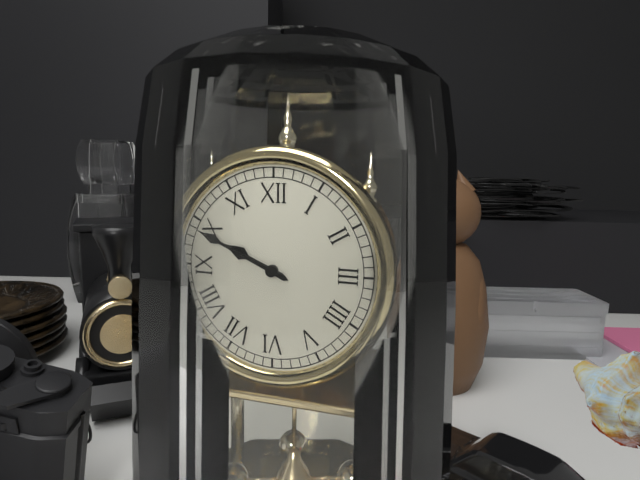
9.49
